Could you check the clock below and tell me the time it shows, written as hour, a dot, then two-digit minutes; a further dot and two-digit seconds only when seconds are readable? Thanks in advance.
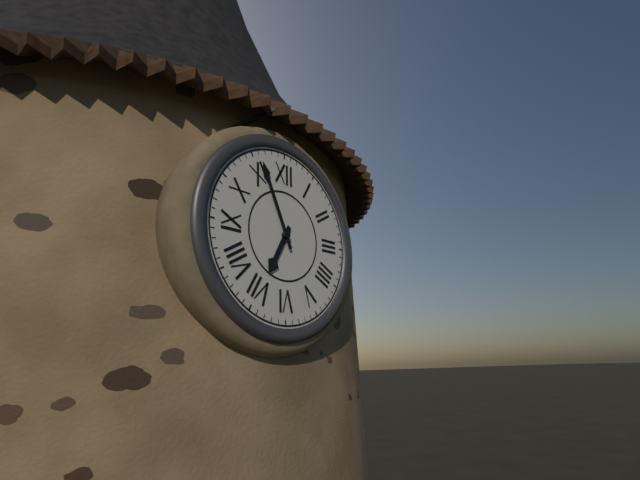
6.56
